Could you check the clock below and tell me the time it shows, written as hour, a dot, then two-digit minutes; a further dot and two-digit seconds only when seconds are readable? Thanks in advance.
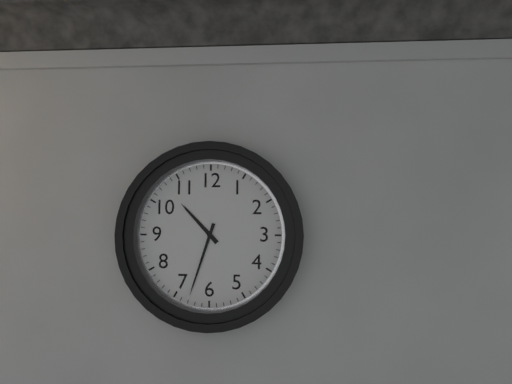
10.33
